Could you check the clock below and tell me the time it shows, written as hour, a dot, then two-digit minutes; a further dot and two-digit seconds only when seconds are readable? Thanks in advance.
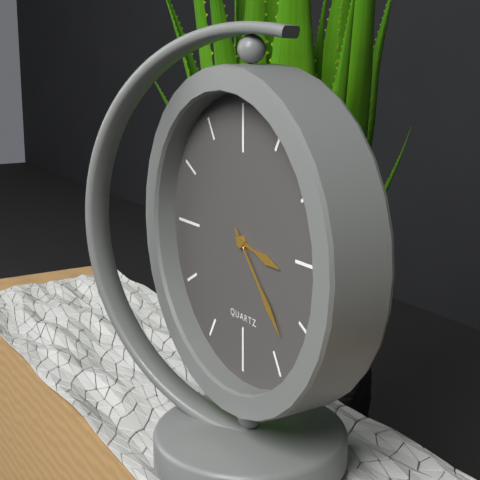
3.23
